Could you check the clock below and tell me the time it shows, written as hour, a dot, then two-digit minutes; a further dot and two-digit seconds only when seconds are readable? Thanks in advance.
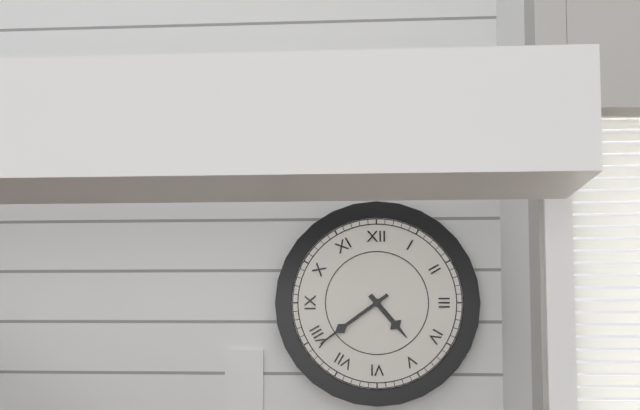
4.39
